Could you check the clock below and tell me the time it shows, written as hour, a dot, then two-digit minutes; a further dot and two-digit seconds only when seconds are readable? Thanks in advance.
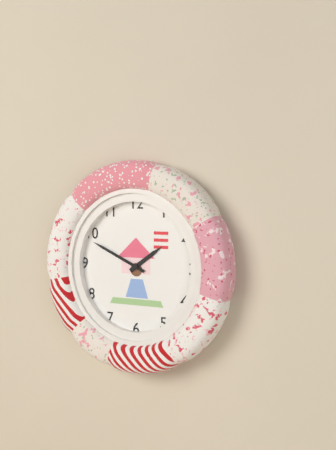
1.49
